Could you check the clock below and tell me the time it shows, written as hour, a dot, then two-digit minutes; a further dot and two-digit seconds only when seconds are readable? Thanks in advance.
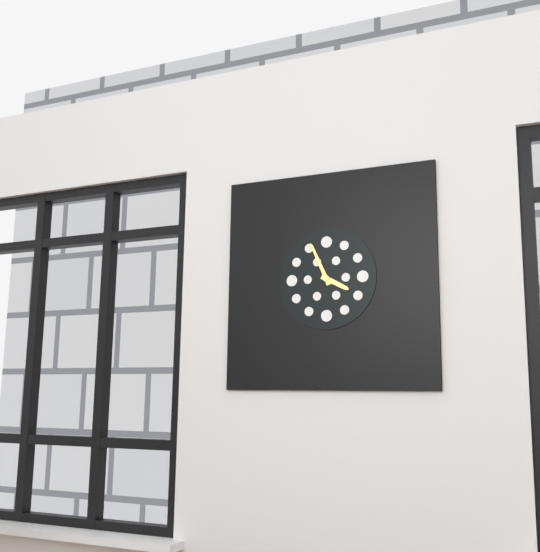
3.56
